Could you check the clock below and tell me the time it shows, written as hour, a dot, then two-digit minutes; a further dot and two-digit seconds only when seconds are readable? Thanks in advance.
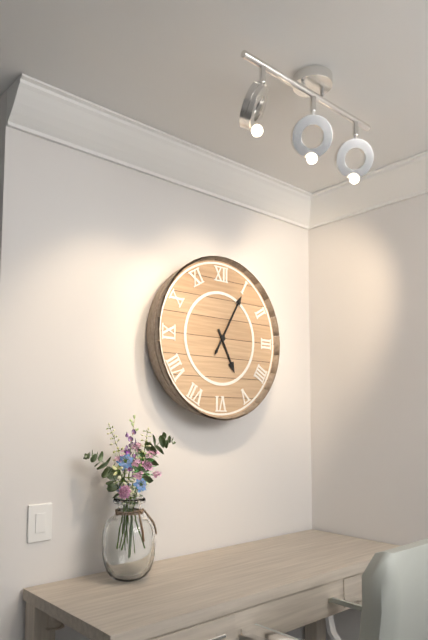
5.05
